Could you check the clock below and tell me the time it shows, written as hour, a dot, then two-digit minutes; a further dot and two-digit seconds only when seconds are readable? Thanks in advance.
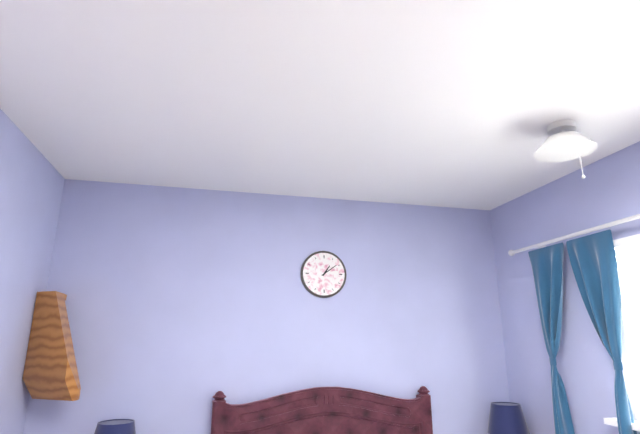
1.09
